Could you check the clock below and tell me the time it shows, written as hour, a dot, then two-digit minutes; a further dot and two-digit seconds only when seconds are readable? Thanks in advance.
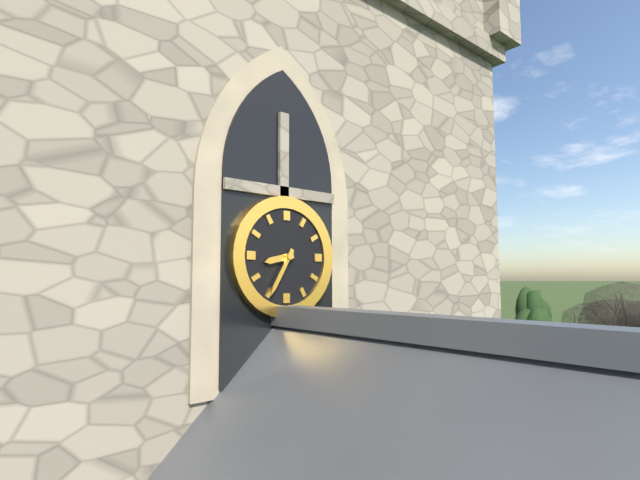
8.35
